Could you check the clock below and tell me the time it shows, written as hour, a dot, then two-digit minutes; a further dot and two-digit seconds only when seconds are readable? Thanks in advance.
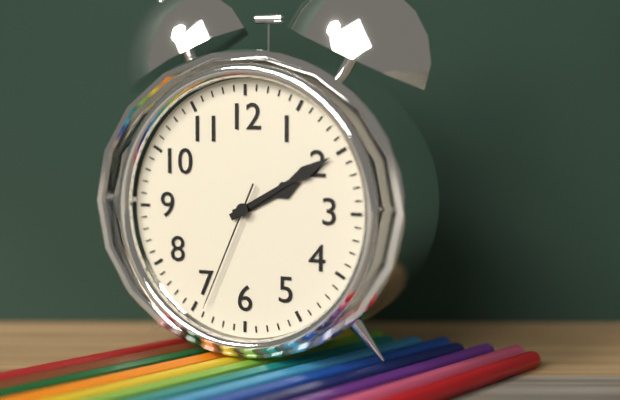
2.10.34
